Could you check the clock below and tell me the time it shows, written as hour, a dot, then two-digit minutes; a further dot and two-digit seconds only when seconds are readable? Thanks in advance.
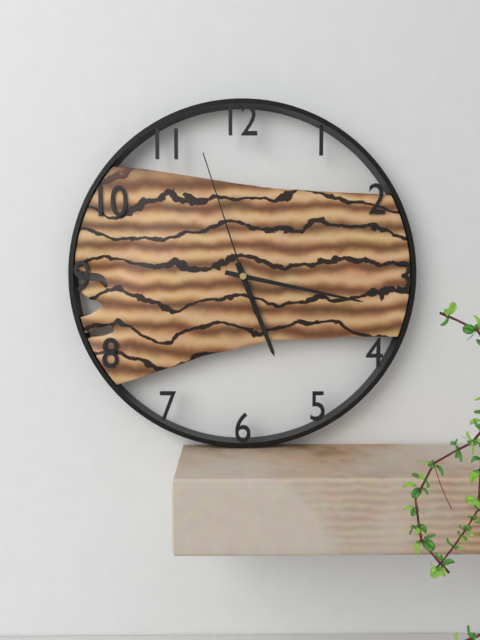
5.17.57
